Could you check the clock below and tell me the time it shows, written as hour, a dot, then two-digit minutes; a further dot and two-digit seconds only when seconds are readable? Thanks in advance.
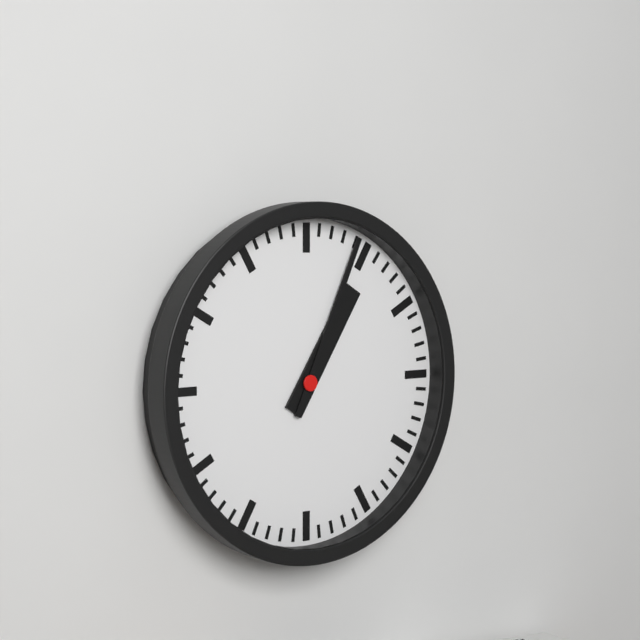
1.04
